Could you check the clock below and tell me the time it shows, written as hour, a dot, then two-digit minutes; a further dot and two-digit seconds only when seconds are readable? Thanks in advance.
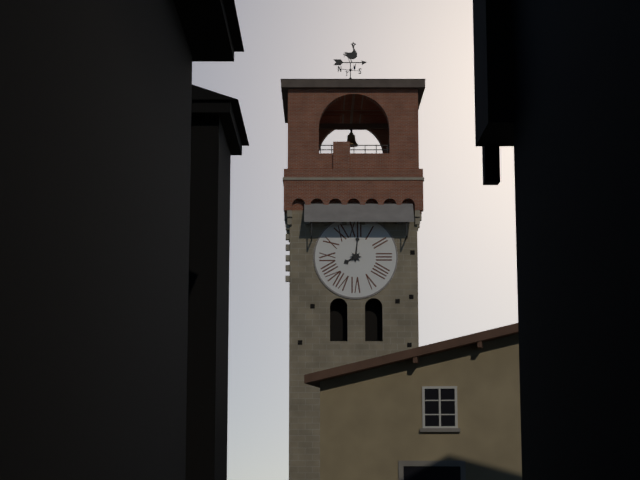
8.01
